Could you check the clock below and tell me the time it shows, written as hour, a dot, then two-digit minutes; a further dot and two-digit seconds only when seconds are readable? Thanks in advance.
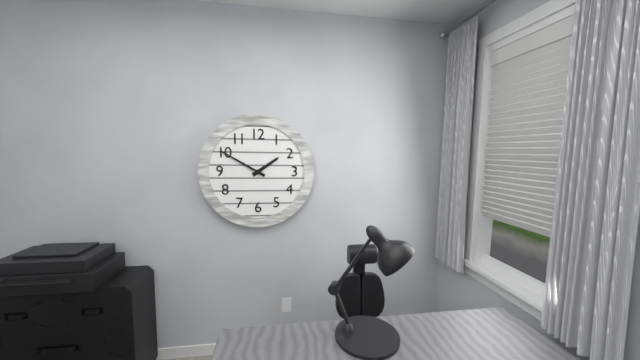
1.50
